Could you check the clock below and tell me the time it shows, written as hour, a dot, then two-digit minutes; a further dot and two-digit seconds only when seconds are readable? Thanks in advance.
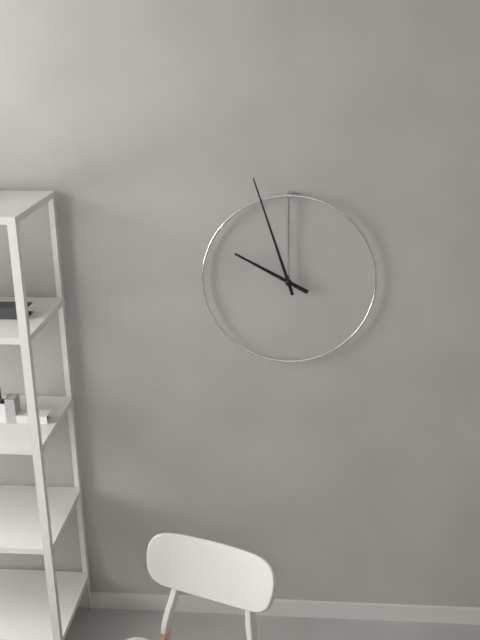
9.57
